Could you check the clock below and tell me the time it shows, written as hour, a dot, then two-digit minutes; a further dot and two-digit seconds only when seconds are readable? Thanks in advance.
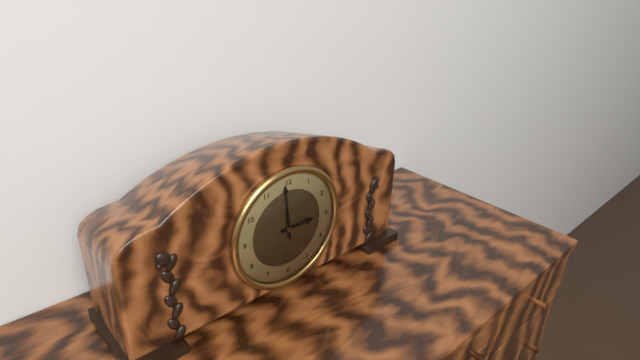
2.59
